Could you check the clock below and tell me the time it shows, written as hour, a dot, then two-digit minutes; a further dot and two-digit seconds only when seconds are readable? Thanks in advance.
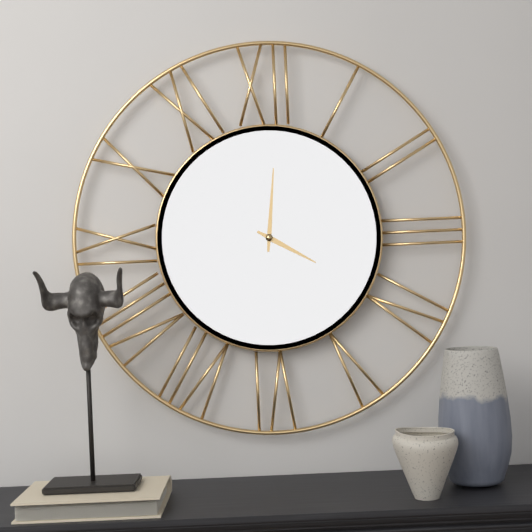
4.01
